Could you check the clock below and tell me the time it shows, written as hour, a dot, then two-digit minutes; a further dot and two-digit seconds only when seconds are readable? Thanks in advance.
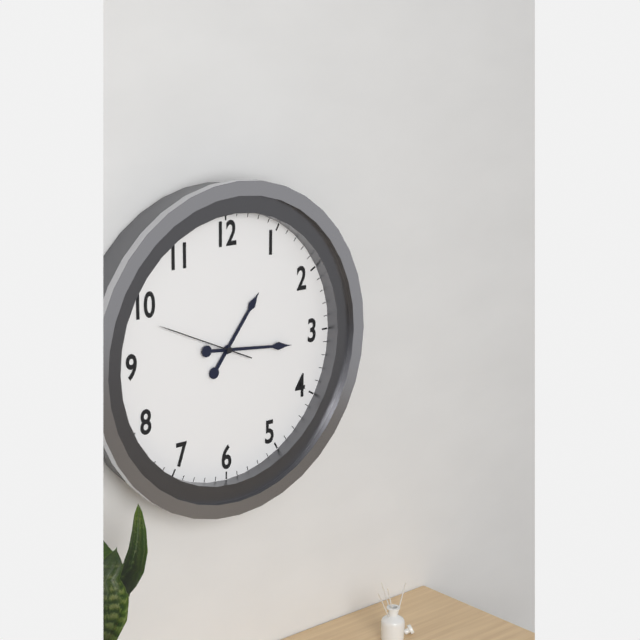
1.16.49
